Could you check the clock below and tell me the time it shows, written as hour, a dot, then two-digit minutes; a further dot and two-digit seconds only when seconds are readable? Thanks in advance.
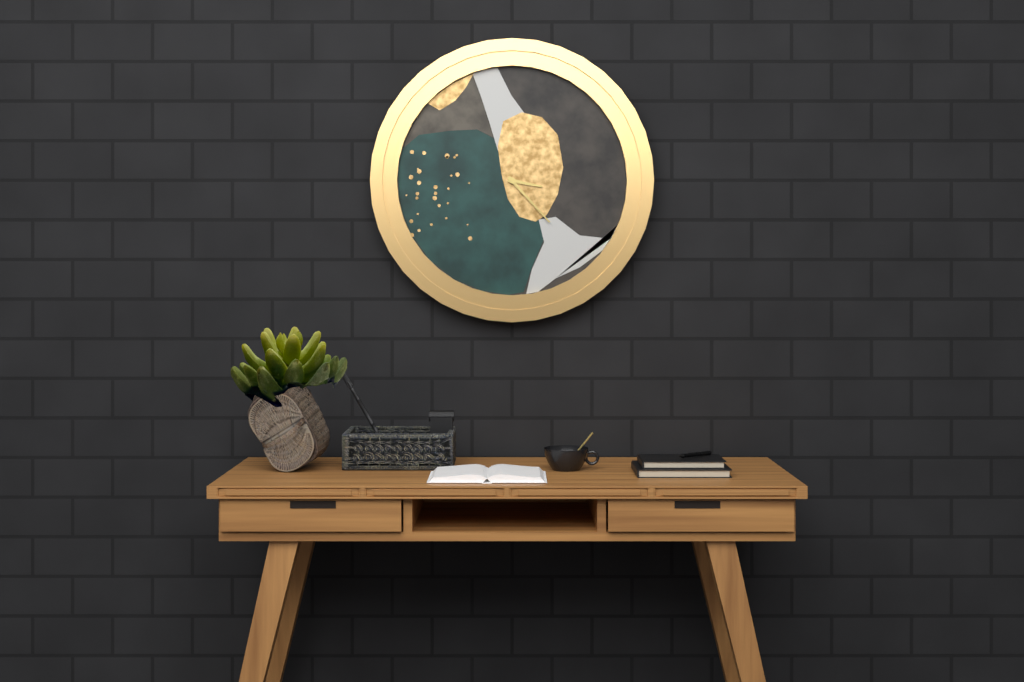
3.23
